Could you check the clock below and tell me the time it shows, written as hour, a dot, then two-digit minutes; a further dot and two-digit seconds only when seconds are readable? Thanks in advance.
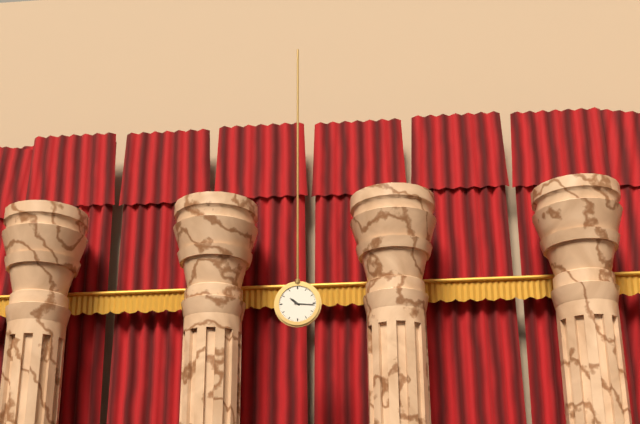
10.16
